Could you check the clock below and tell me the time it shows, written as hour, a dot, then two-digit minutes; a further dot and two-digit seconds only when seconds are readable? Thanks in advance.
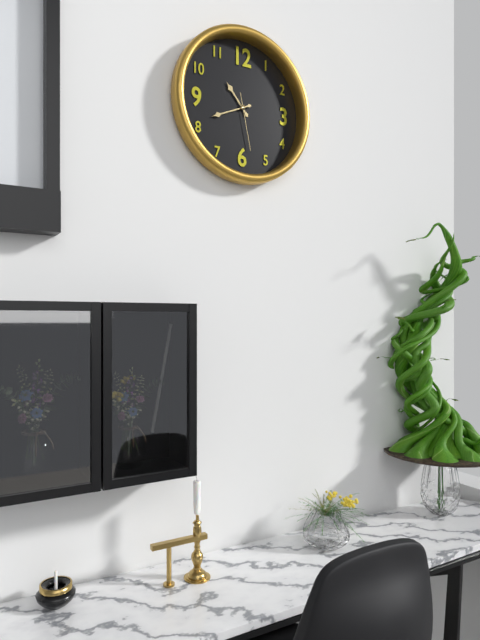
10.41.28
